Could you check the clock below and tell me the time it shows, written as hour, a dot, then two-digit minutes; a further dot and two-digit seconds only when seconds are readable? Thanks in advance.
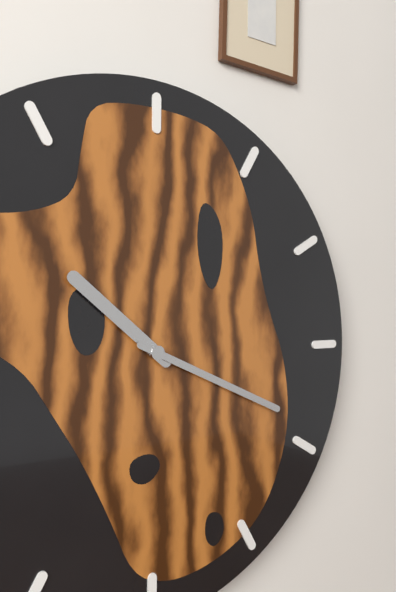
10.19
